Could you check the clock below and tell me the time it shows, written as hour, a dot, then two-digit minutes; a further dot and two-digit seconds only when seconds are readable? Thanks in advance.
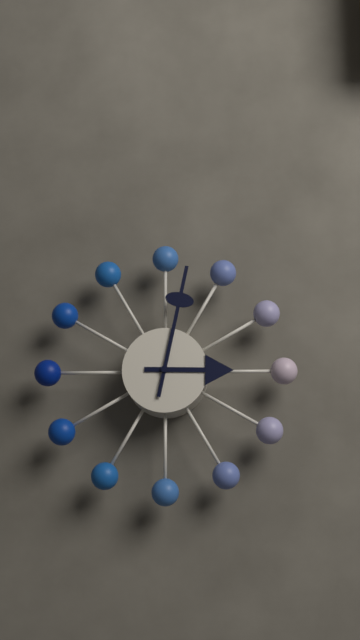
3.02
